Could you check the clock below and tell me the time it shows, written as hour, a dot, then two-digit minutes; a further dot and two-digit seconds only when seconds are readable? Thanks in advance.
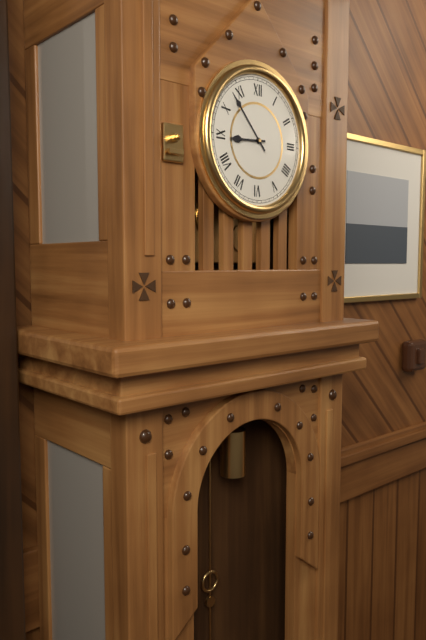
8.53
